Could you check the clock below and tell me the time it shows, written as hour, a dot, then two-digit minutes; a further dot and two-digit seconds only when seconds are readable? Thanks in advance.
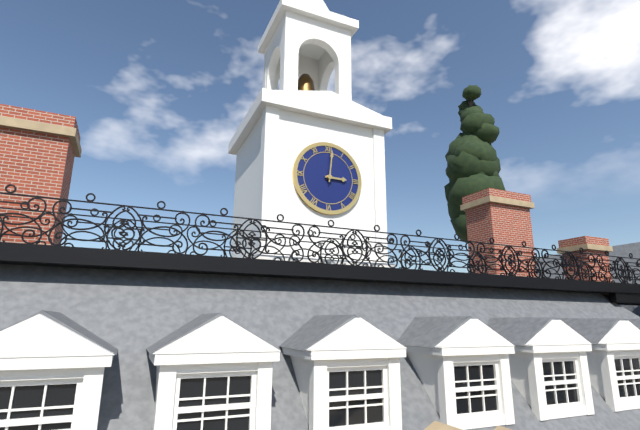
3.01
